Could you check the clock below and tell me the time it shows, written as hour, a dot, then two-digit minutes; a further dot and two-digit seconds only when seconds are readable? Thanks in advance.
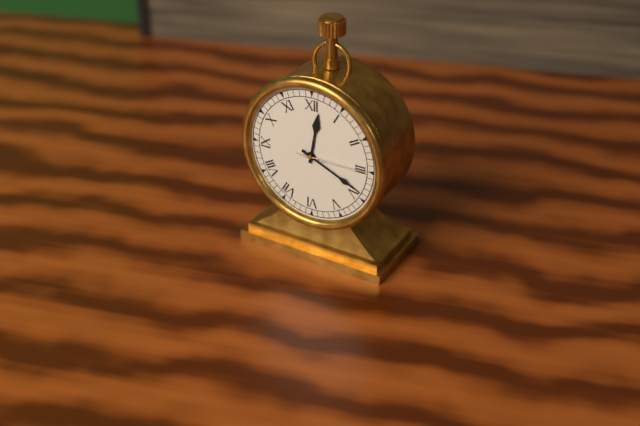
12.19.15
